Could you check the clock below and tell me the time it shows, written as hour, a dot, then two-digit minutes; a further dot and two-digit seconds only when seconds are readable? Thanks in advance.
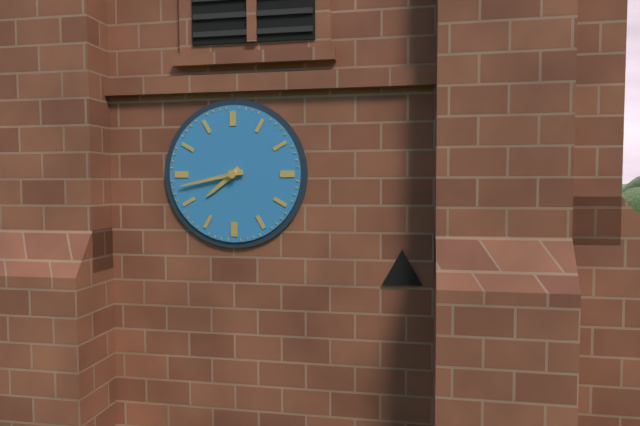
7.43
